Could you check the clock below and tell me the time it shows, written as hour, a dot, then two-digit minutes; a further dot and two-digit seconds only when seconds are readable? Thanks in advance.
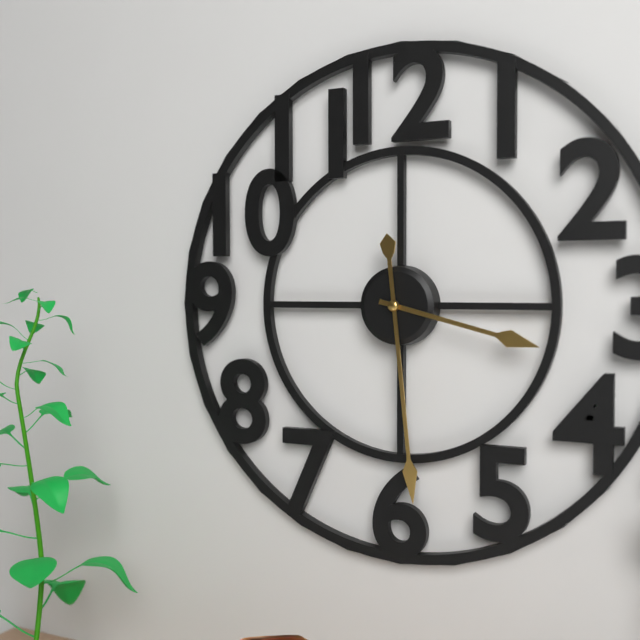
3.29
